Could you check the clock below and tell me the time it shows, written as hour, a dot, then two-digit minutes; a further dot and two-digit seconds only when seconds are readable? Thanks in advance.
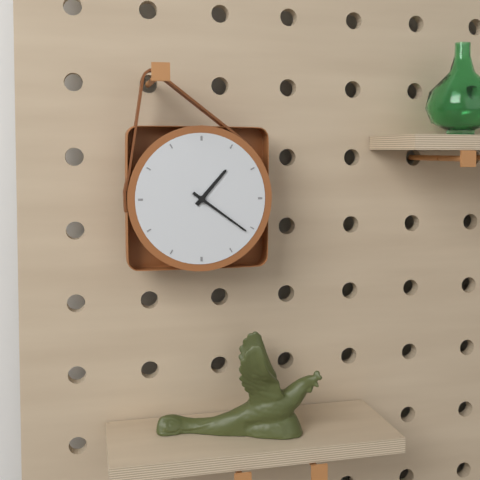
1.21
